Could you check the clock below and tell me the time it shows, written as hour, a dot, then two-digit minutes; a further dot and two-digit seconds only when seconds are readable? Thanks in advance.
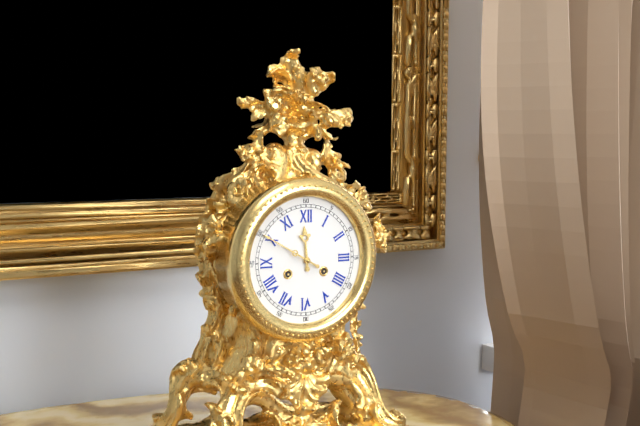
11.50
